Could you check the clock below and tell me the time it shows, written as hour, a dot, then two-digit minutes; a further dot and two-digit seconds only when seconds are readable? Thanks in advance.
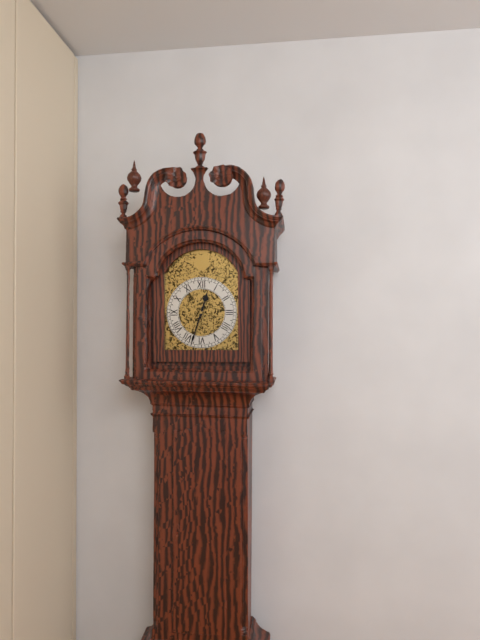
12.33
